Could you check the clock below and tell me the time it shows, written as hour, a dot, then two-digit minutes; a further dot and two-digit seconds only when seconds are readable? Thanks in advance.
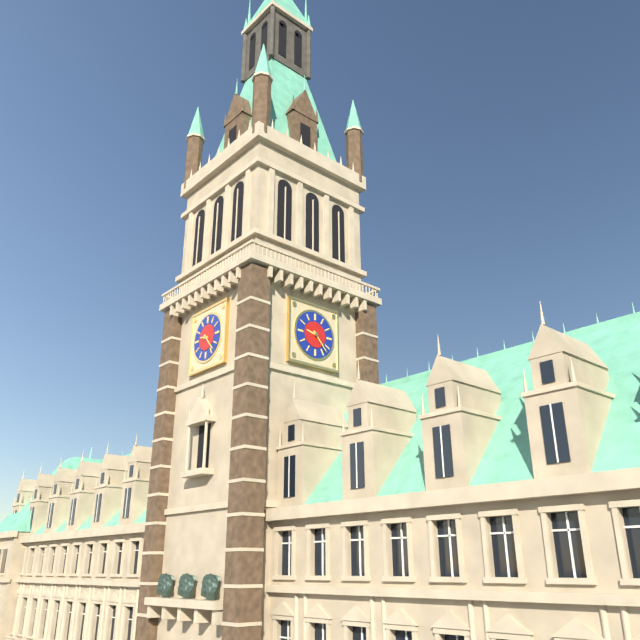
9.23
